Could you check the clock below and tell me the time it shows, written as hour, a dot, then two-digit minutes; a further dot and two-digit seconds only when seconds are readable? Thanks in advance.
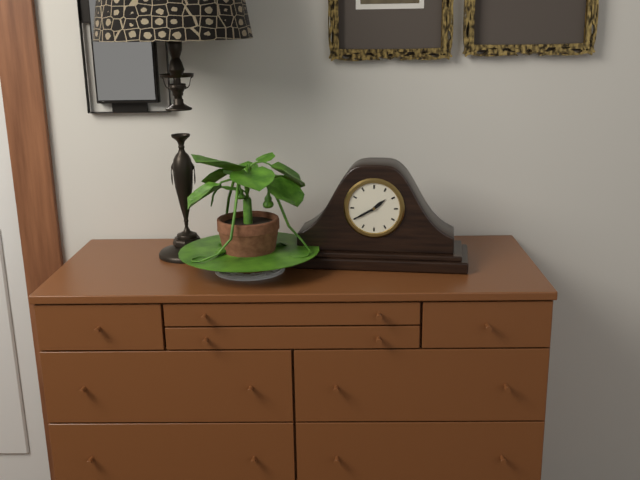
1.40
